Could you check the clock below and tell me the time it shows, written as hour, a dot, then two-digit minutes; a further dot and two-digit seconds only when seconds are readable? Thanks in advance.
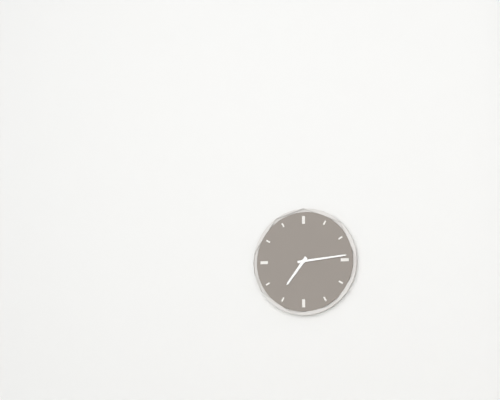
7.14
